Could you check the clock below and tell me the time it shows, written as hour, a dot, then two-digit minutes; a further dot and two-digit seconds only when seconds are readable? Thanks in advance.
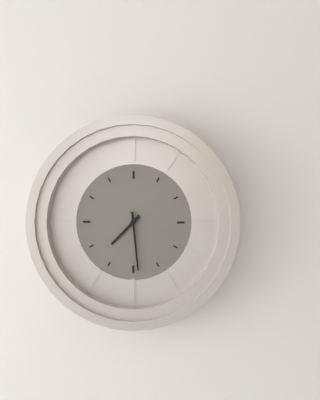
7.29
